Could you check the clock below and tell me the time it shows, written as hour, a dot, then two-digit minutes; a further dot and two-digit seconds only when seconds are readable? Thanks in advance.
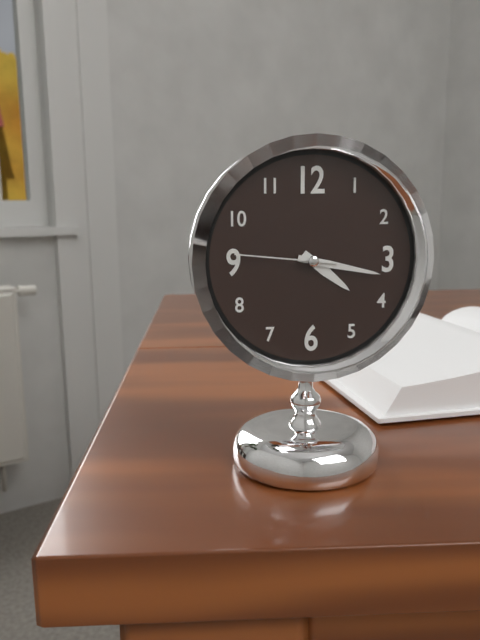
4.17.46
